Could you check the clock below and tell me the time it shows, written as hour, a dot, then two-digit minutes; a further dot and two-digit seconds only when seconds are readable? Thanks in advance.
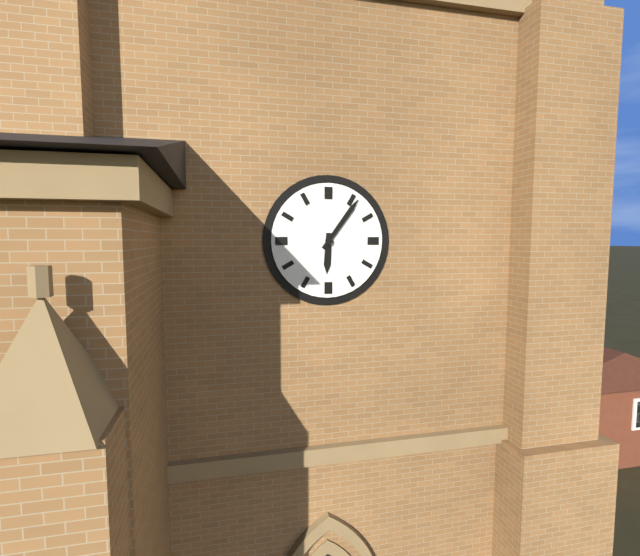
6.06
